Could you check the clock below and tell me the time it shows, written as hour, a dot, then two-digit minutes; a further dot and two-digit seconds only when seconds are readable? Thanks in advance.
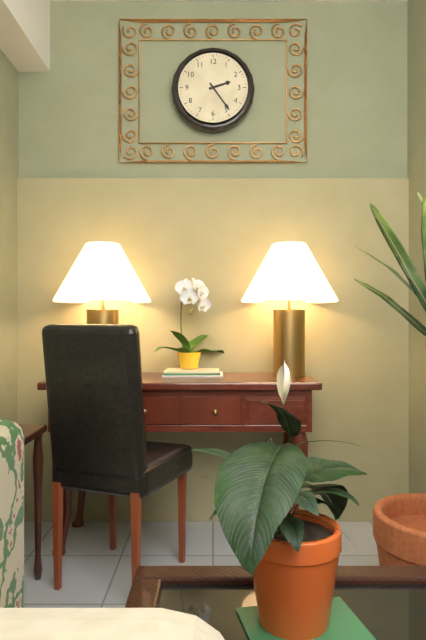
2.24
